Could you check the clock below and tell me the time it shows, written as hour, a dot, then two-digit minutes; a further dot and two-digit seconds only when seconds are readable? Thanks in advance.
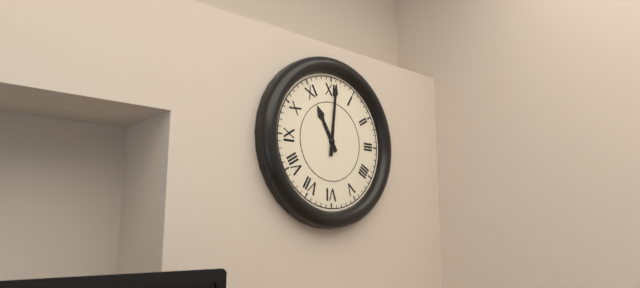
11.01
